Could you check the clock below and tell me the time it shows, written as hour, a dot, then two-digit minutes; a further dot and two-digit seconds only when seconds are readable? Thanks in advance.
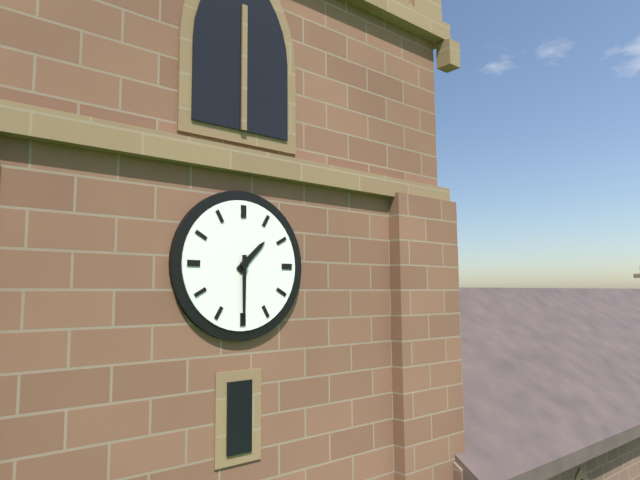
1.30
